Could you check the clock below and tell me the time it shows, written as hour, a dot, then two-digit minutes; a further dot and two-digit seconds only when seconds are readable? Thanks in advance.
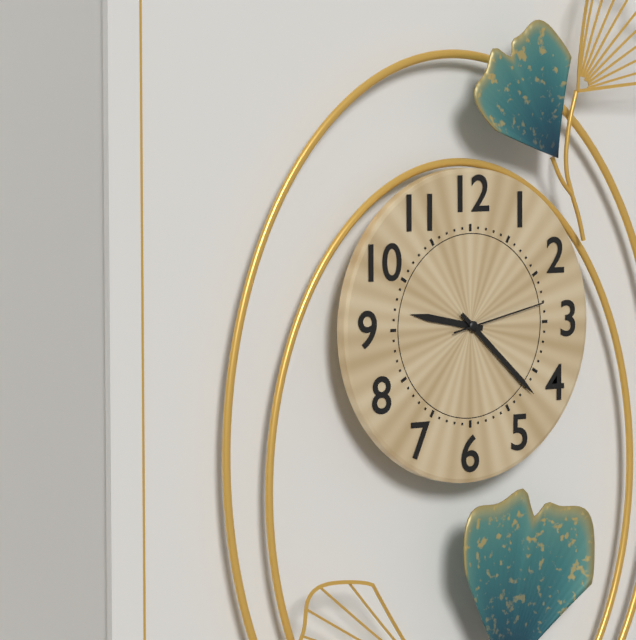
9.22.13
